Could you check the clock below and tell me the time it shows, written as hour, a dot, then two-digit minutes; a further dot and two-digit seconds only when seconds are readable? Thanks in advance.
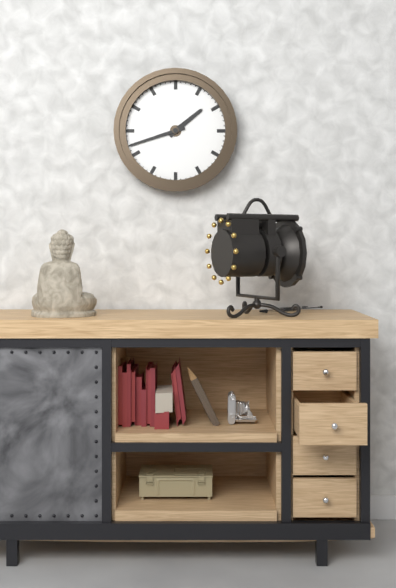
1.42
